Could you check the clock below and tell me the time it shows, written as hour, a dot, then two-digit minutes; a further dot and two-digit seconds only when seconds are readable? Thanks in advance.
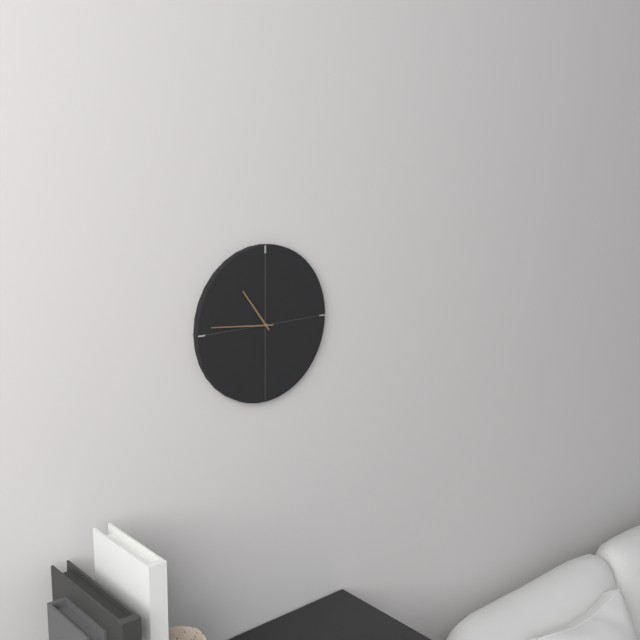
10.46
